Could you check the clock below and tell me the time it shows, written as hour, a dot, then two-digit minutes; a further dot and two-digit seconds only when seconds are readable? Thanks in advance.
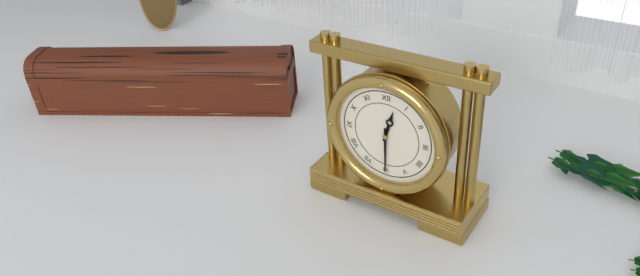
12.30
